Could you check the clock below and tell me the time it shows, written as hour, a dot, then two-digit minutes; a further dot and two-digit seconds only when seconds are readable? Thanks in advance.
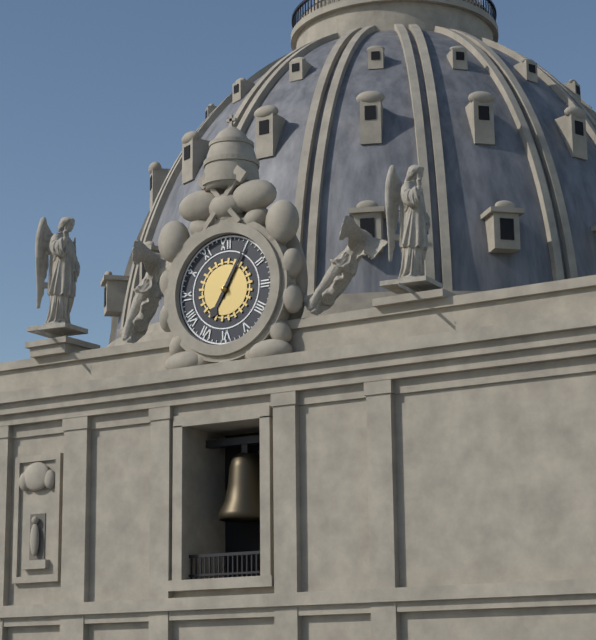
7.05
